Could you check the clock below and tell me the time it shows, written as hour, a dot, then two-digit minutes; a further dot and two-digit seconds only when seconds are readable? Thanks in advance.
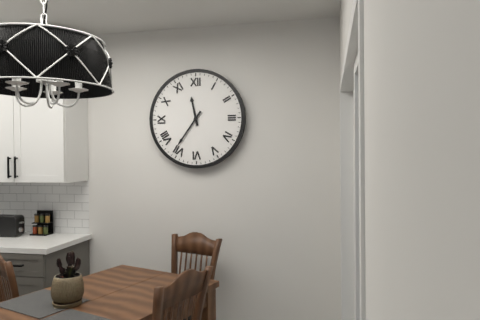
11.36
